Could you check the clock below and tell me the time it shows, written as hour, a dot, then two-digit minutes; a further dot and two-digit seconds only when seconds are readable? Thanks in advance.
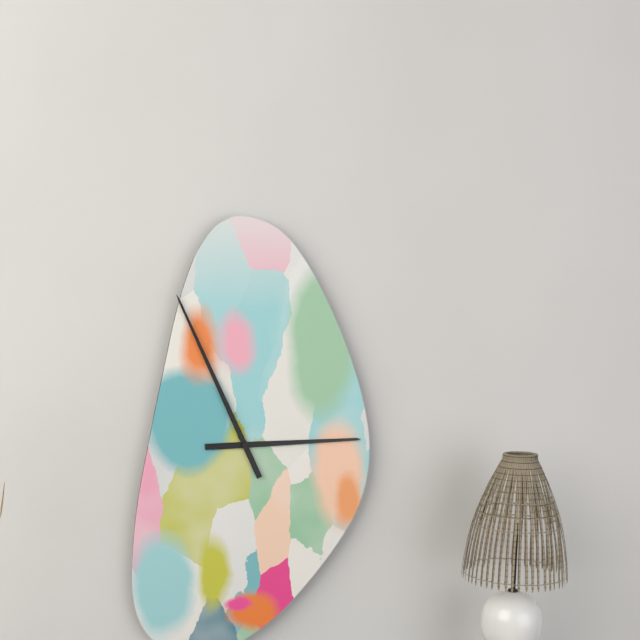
2.56
